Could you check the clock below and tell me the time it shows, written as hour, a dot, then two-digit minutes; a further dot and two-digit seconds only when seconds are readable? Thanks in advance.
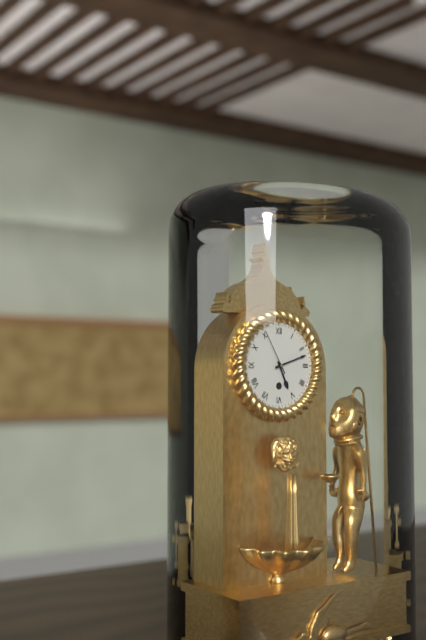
5.12
